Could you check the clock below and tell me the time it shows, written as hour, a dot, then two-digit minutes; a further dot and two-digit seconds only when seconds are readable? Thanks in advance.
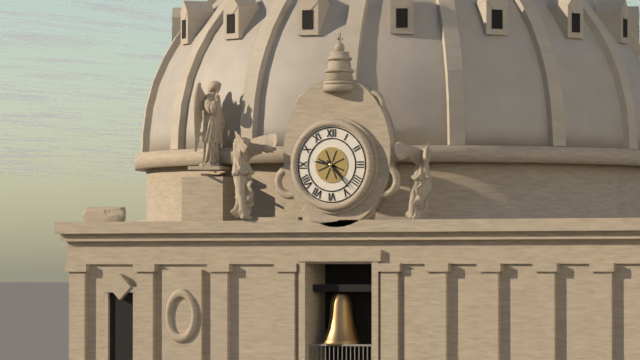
9.23
